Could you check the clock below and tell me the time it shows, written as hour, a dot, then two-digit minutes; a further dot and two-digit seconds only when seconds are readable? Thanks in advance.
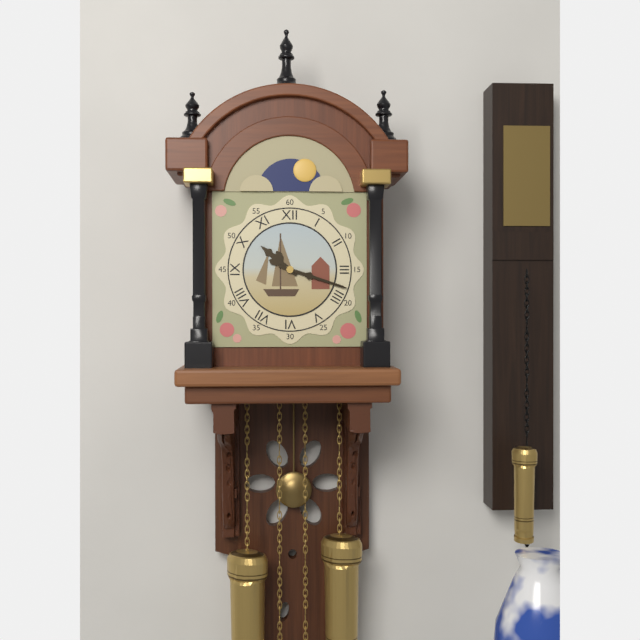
10.18
